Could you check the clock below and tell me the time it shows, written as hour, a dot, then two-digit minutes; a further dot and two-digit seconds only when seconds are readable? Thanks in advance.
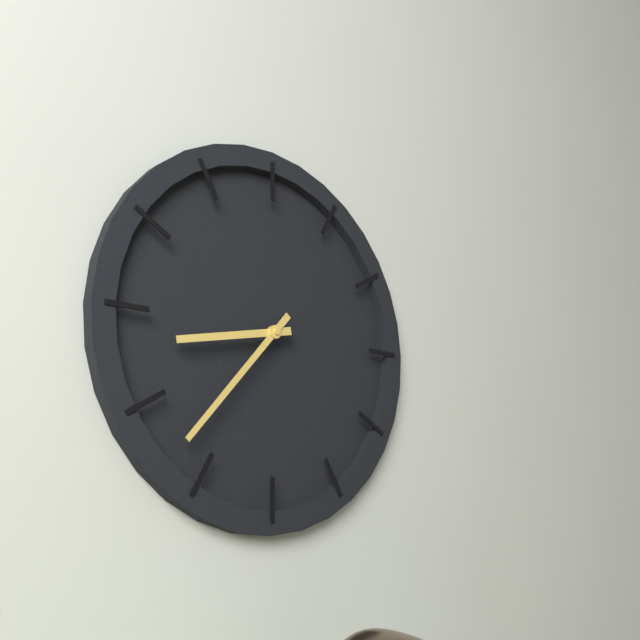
8.37
